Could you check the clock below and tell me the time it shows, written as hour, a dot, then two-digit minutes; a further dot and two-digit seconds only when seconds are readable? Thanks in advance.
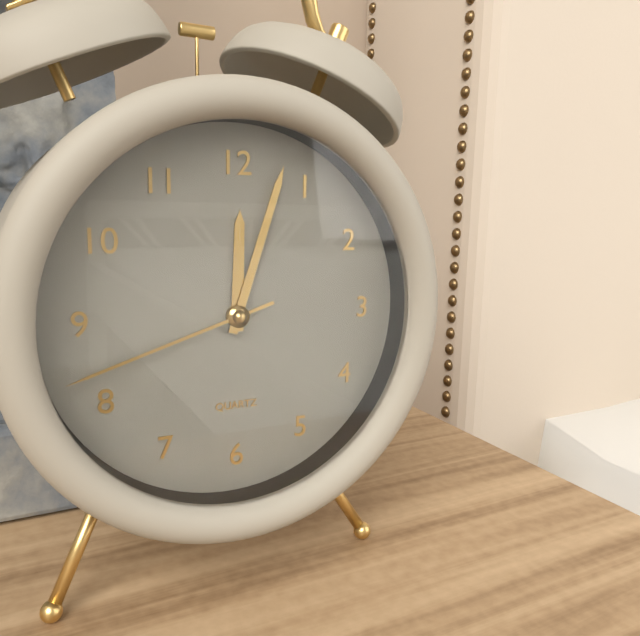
12.03.42
